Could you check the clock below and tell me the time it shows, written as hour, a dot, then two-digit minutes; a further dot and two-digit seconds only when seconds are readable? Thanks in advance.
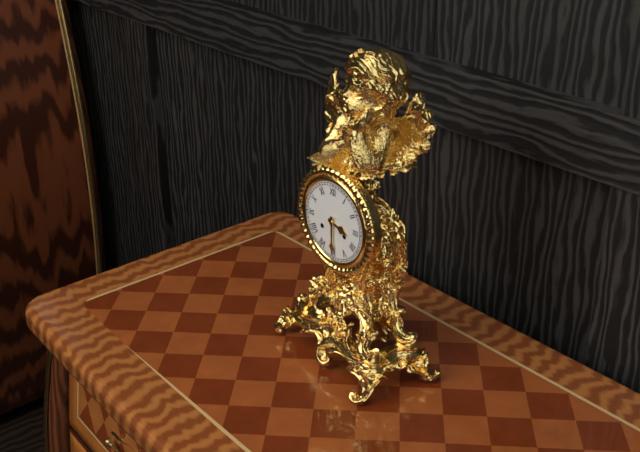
3.30
